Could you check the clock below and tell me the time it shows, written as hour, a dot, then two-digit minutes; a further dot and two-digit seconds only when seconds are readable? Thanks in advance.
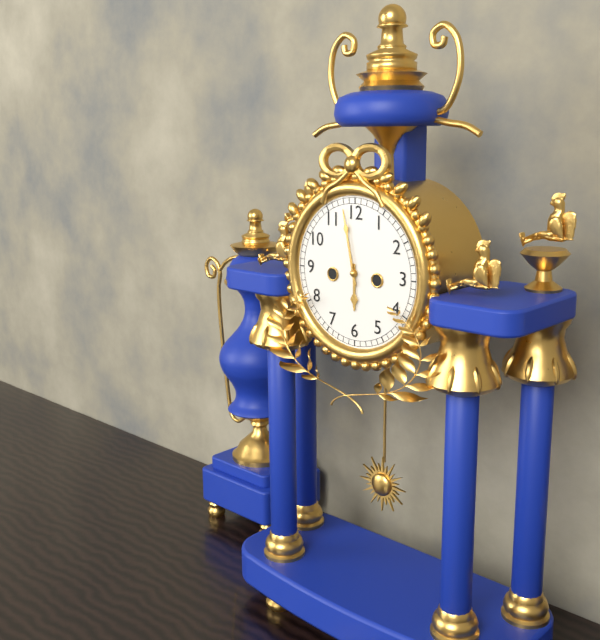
5.58
